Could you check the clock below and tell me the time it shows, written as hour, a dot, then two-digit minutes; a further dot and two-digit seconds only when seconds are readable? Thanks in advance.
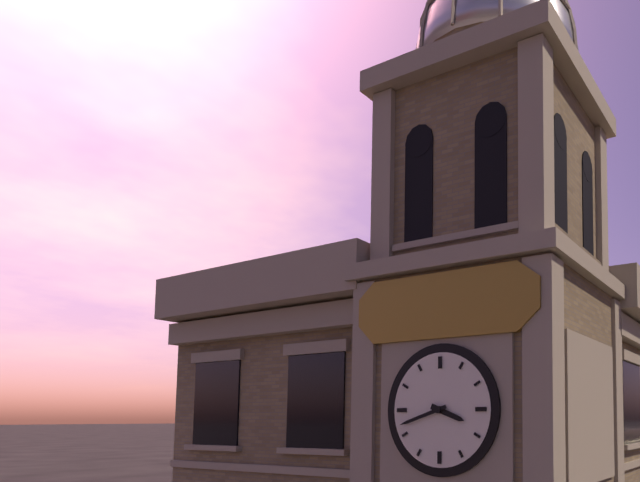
3.42
